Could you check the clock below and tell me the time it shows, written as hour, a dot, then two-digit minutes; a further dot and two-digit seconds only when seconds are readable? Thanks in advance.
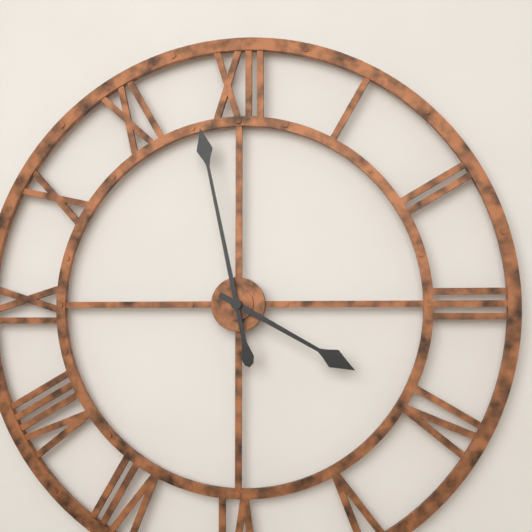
3.58
